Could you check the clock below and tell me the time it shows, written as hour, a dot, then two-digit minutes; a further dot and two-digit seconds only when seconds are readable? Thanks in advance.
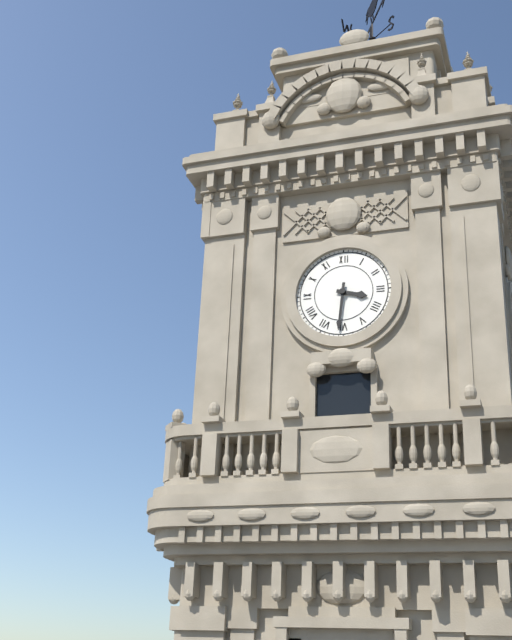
3.31
